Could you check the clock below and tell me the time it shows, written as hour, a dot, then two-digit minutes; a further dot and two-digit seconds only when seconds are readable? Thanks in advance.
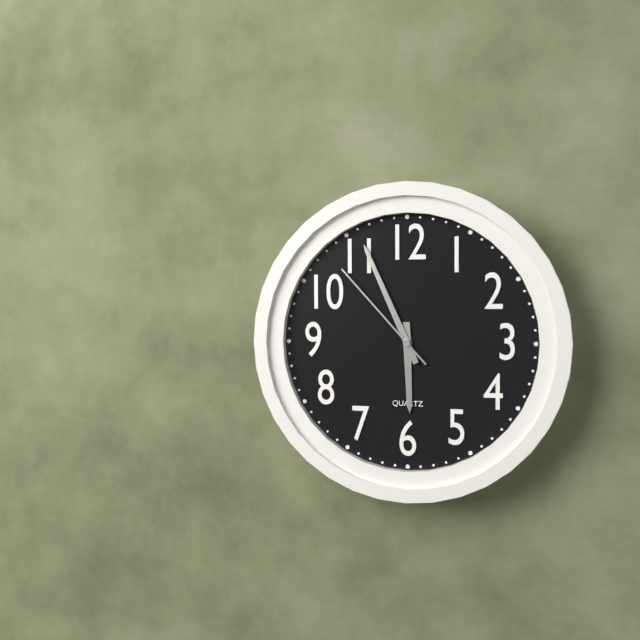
5.56.53
